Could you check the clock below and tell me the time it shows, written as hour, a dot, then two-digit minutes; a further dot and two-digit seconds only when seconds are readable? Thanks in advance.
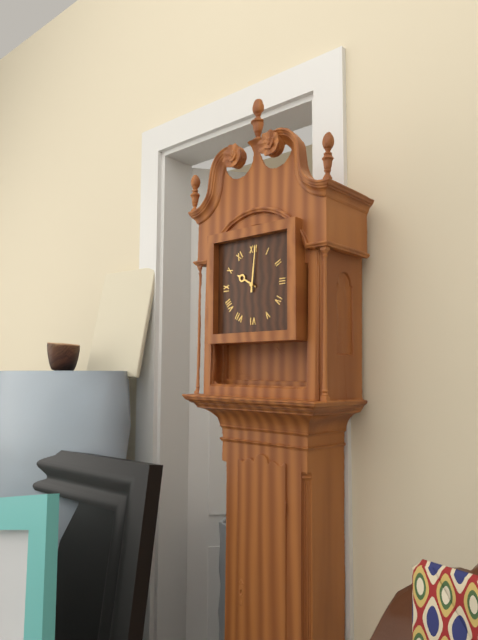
10.01
